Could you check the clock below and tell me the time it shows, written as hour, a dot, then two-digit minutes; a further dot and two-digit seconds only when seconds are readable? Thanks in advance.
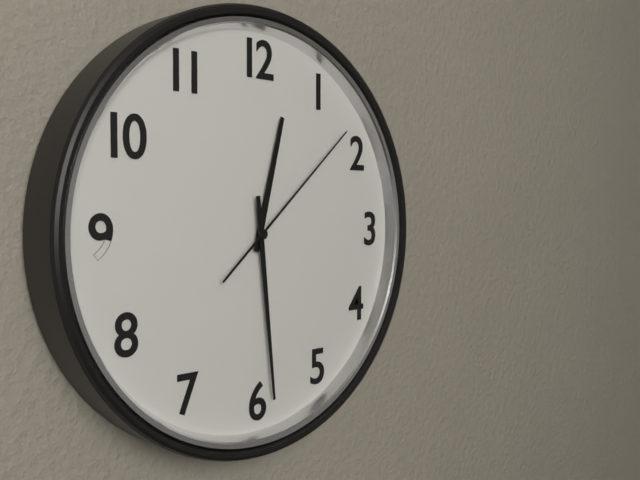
12.29.08
